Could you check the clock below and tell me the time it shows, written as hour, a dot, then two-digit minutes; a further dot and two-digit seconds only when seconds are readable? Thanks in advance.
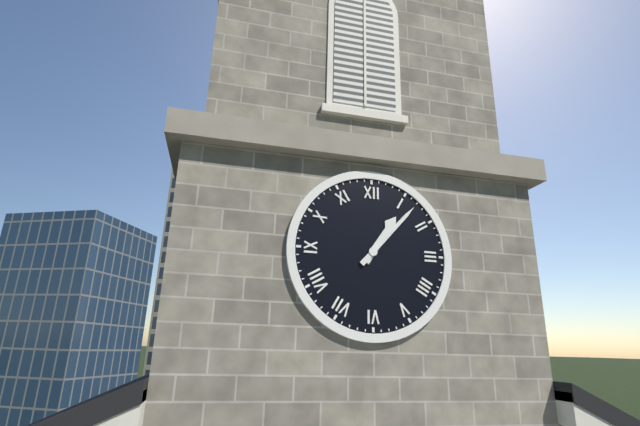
1.07
